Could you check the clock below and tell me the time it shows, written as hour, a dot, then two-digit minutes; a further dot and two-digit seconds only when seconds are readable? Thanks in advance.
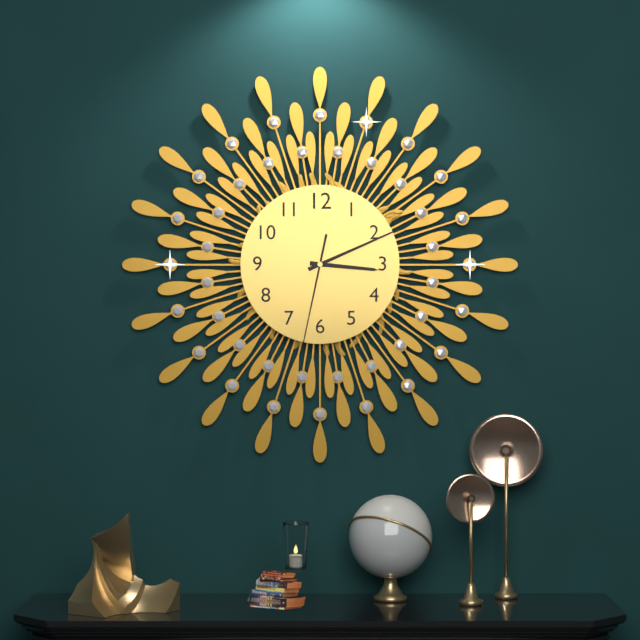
3.11.32
